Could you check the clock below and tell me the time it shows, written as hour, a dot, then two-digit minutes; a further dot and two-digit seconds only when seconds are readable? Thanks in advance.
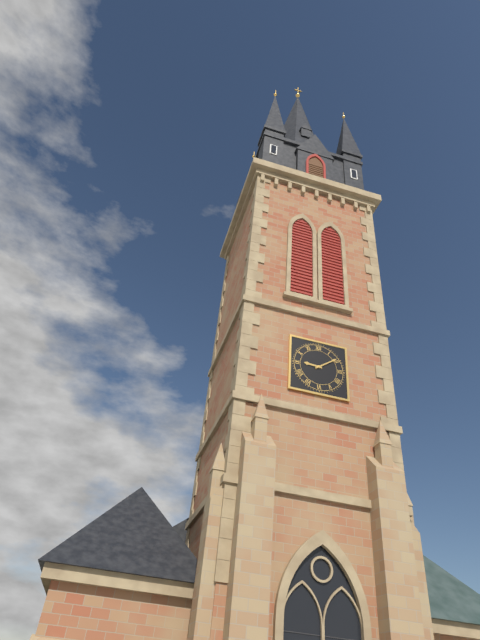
9.09
